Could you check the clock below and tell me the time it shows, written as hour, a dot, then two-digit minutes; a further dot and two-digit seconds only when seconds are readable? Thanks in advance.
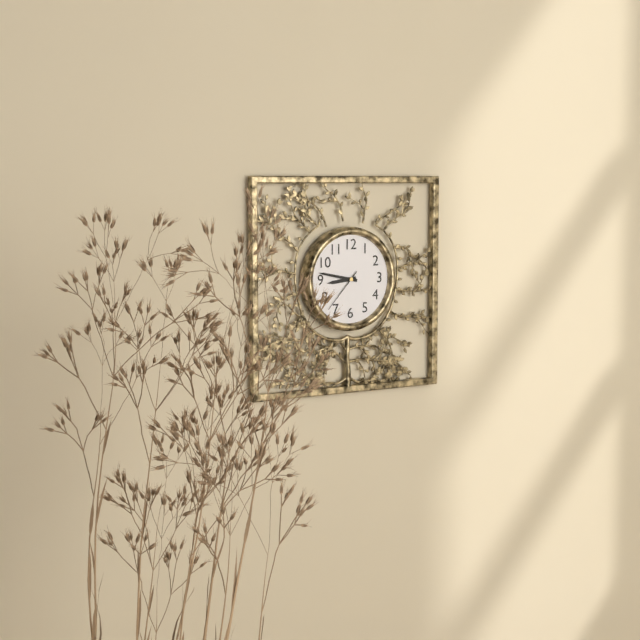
8.47
